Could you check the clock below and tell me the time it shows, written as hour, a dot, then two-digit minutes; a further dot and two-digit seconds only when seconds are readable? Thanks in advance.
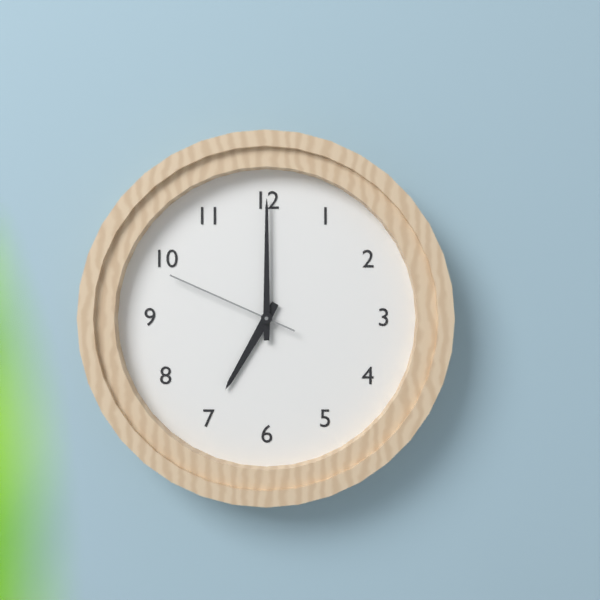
7.00.49
